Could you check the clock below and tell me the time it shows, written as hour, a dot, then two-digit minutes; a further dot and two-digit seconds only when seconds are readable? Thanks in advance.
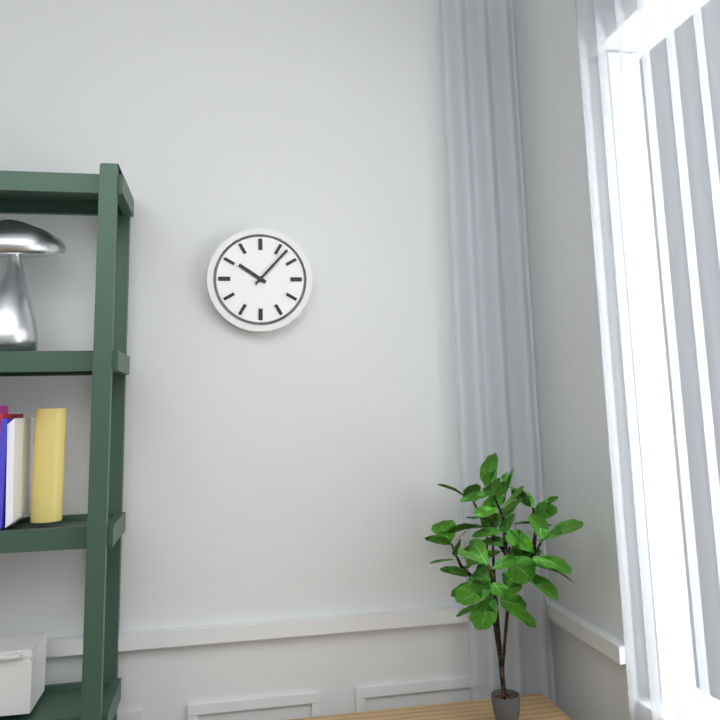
10.07
